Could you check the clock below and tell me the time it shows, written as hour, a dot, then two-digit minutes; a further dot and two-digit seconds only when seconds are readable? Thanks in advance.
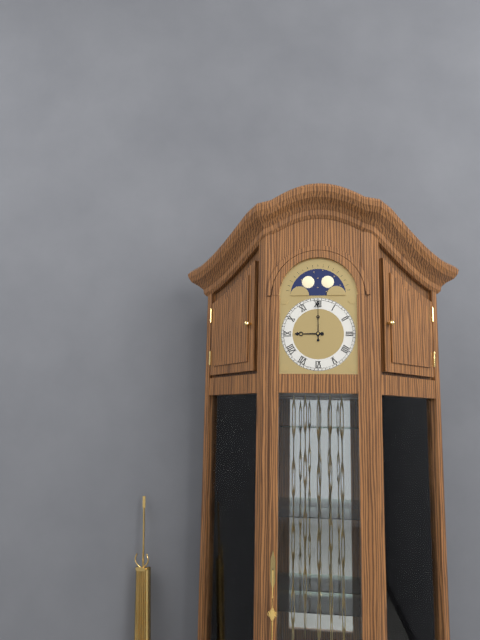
9.00
